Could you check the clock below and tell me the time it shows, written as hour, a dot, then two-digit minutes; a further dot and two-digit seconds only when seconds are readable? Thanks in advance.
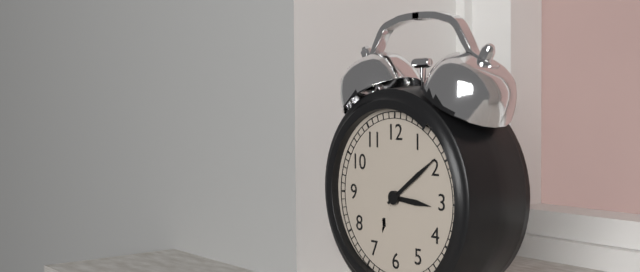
3.09
